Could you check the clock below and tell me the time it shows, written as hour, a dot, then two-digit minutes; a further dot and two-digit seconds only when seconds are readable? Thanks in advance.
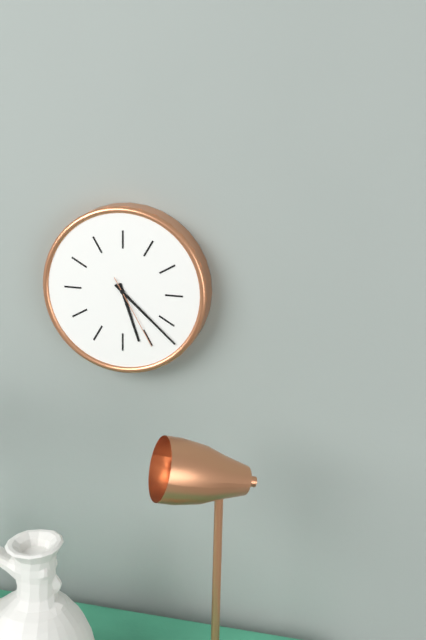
5.22.25
